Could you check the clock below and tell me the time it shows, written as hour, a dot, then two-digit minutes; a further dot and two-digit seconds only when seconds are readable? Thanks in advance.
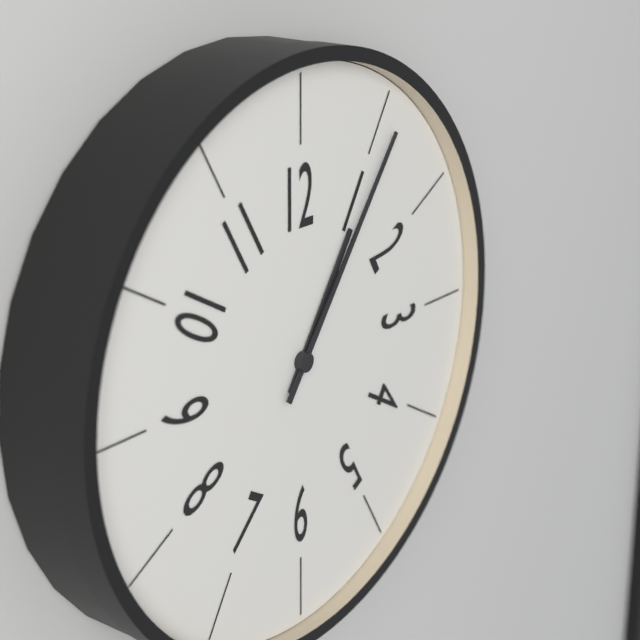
1.06
